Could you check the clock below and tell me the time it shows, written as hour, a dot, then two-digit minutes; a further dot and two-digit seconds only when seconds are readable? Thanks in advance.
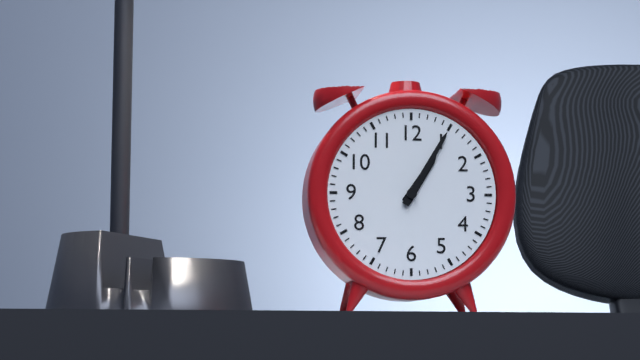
1.05
